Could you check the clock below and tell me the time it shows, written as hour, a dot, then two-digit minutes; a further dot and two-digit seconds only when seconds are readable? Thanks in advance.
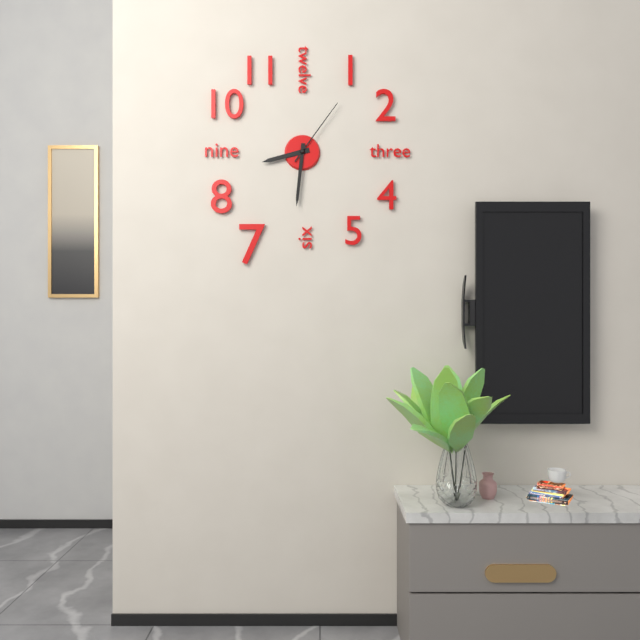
8.31.06
